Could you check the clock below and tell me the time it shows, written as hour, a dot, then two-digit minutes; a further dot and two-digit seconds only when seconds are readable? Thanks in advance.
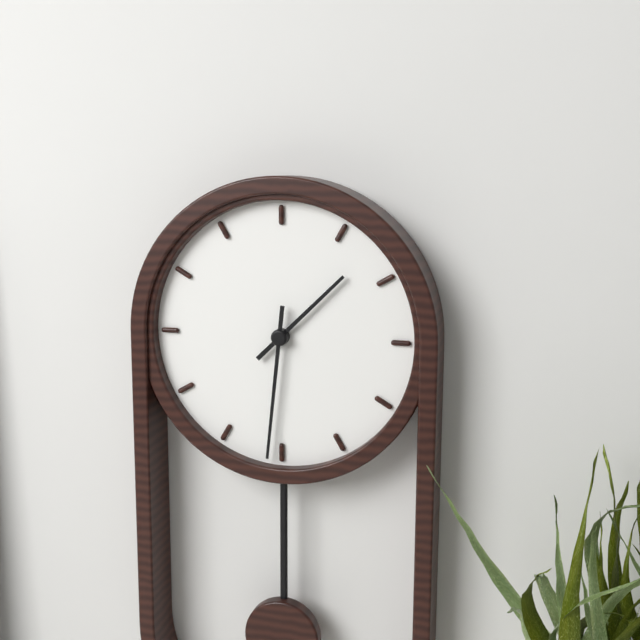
1.31
